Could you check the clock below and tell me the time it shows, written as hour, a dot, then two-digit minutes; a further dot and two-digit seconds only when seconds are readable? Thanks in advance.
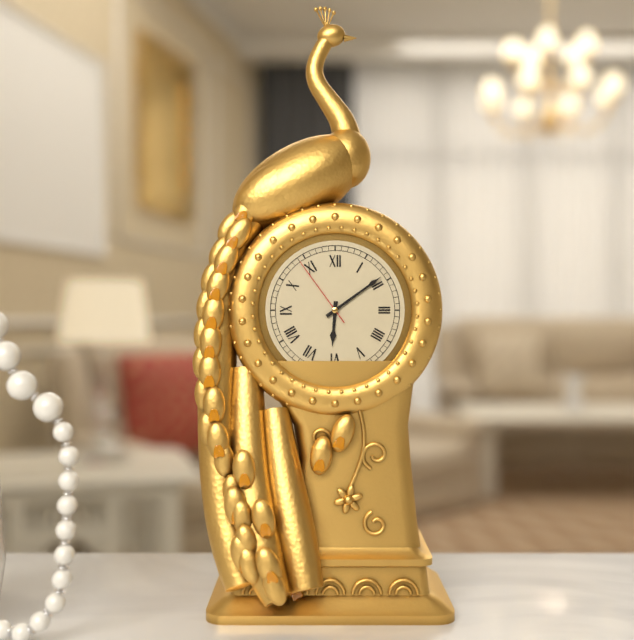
6.09.54
